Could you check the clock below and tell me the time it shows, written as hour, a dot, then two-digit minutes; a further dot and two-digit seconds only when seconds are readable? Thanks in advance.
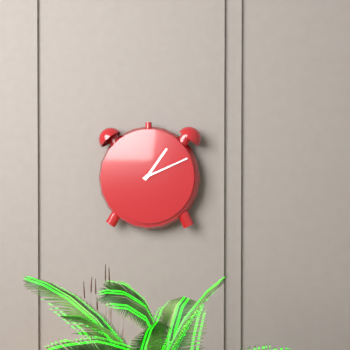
1.11
